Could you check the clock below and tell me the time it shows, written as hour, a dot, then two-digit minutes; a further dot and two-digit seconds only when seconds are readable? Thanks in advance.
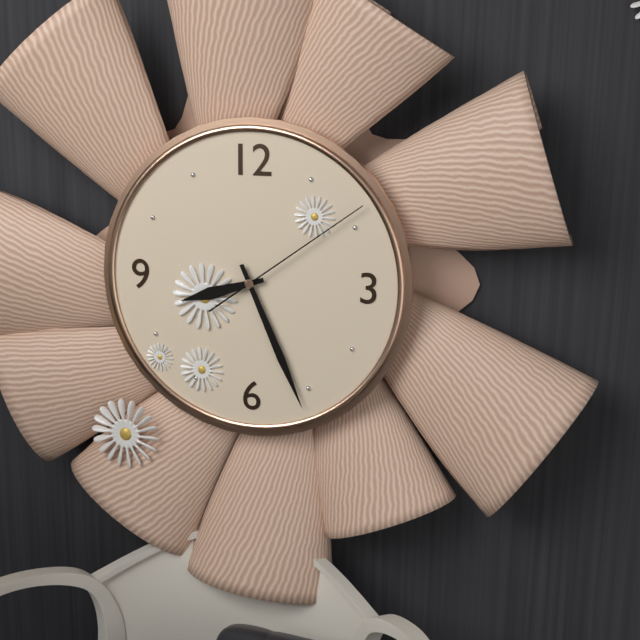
8.26.09
